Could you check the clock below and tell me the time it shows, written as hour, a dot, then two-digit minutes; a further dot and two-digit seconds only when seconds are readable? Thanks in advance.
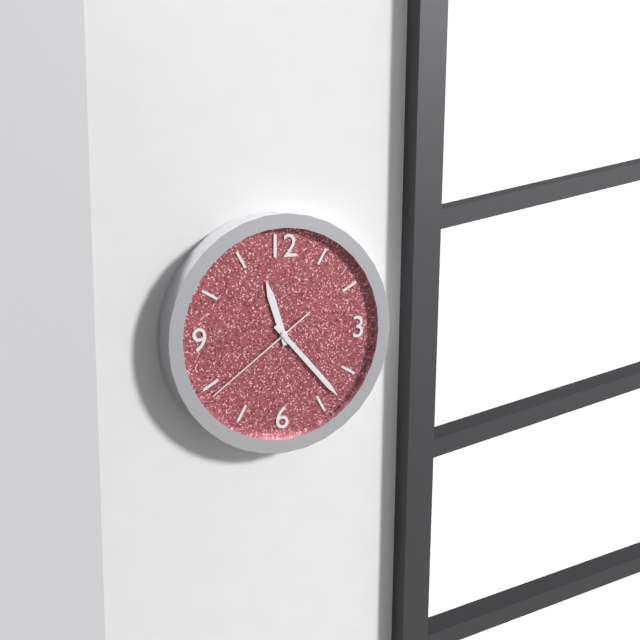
11.23.39
